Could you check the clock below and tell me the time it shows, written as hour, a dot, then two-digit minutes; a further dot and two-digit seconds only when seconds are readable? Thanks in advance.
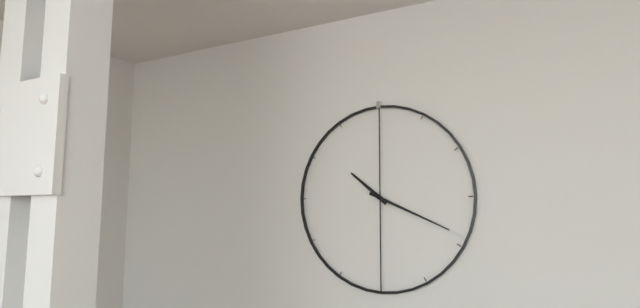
10.19
